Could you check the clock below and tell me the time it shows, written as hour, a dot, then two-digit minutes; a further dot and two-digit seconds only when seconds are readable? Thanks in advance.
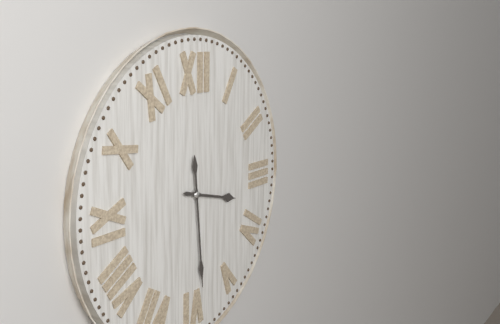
3.29
